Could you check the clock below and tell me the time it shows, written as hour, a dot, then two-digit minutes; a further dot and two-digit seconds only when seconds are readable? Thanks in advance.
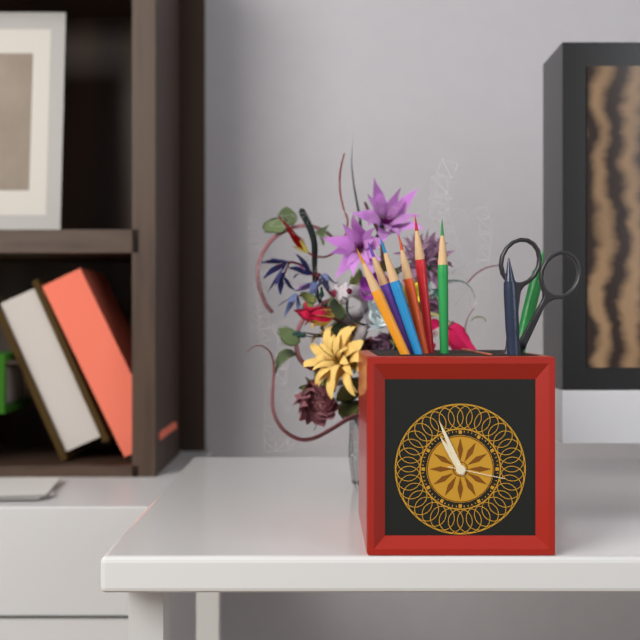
10.56.17
